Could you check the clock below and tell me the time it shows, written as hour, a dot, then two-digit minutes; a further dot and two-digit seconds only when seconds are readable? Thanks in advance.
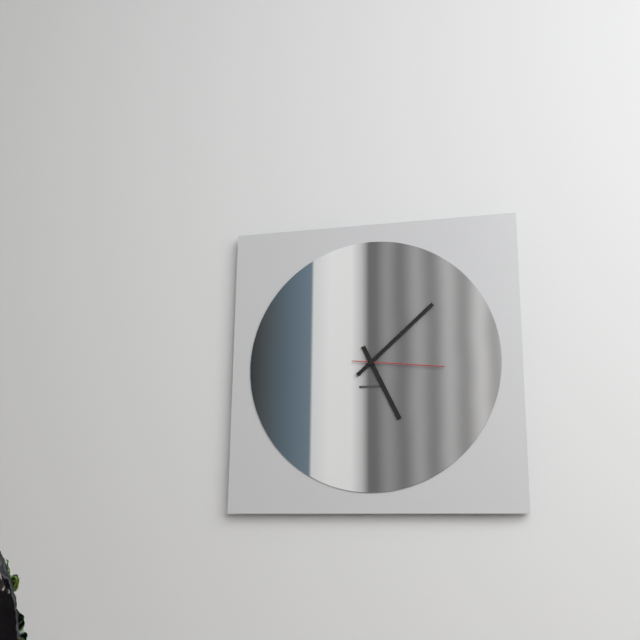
5.08.16
